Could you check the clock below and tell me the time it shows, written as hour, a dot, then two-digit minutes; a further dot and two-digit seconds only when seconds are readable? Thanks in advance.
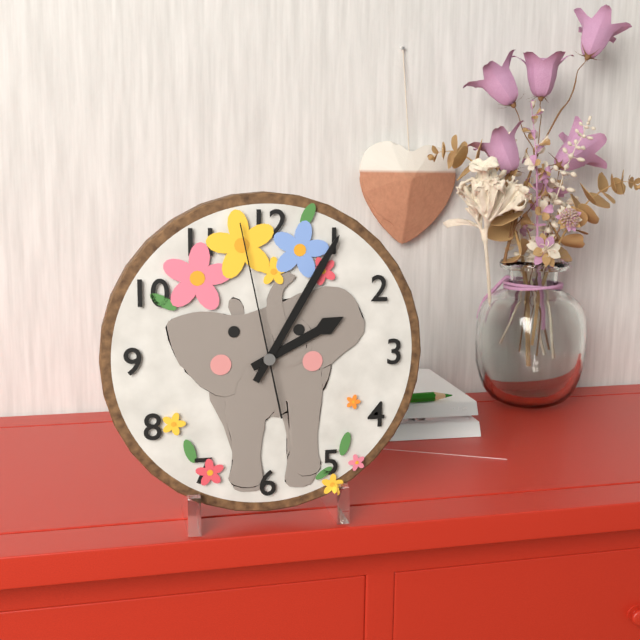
2.05.58
